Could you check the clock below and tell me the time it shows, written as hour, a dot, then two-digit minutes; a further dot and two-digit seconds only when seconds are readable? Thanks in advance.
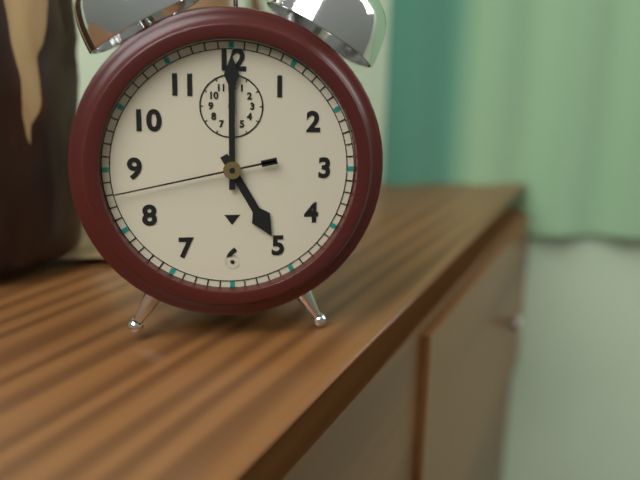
5.00.43
